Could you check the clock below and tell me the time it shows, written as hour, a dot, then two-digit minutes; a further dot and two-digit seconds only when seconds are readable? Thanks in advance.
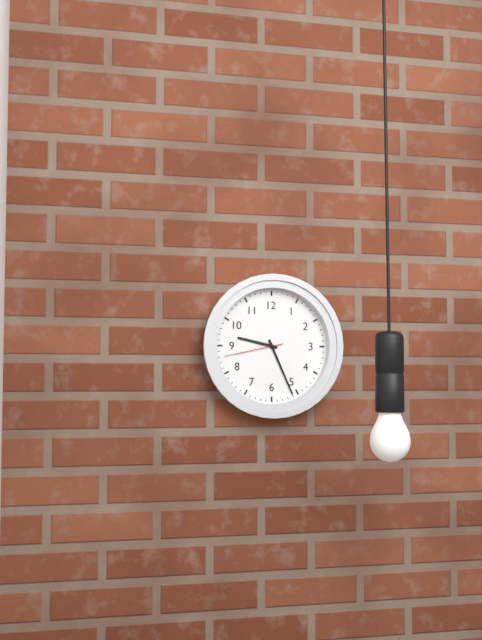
9.26.43
